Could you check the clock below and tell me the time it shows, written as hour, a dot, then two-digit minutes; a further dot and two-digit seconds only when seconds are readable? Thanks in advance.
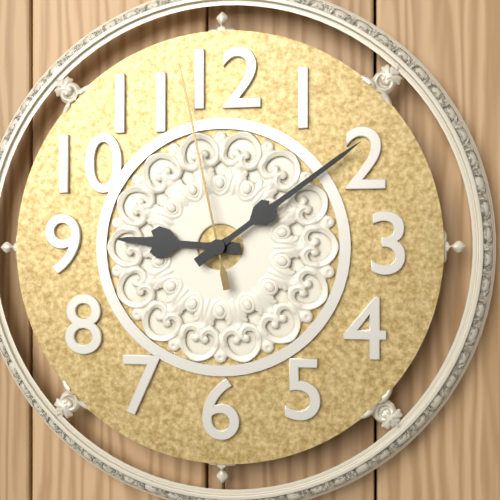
9.09.58
